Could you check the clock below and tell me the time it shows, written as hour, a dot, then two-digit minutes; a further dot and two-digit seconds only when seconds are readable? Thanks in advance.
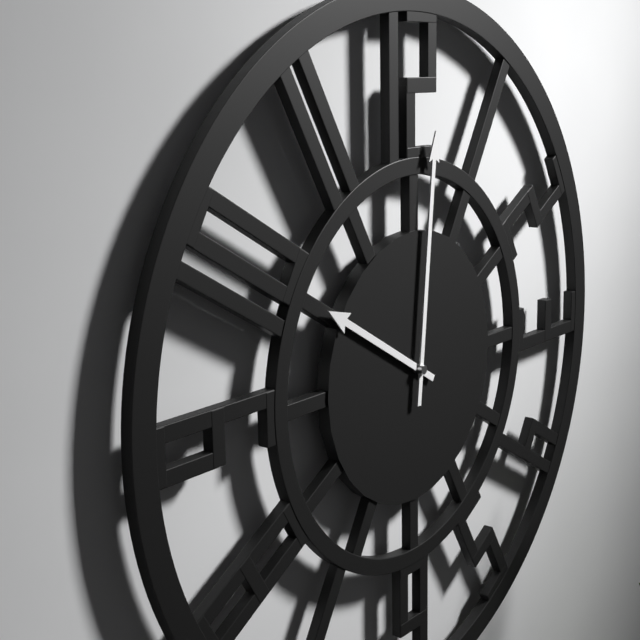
10.01
